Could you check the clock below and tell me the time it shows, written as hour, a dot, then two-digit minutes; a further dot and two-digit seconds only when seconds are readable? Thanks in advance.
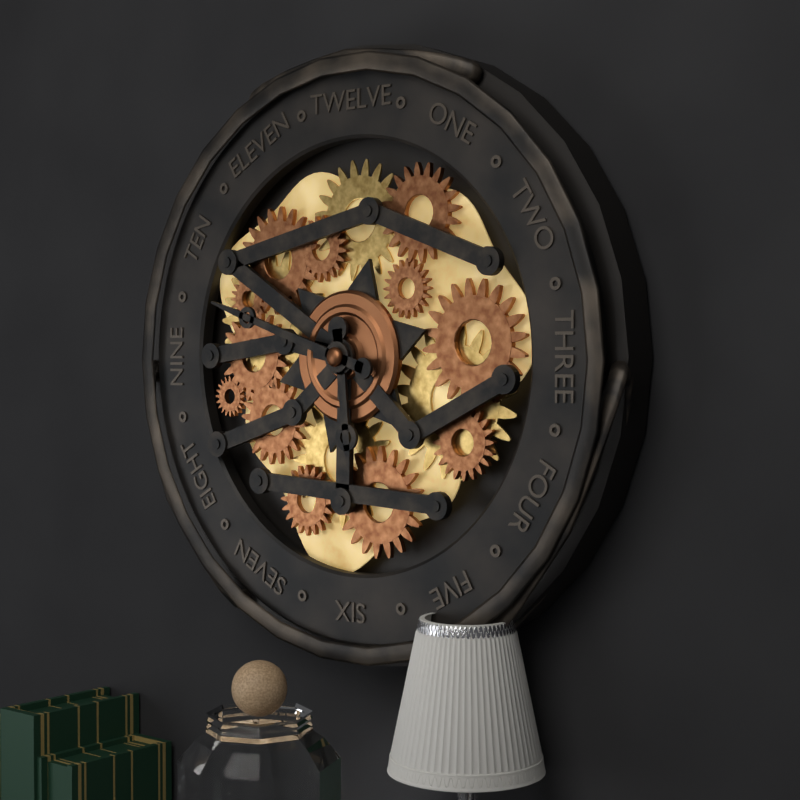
5.48
